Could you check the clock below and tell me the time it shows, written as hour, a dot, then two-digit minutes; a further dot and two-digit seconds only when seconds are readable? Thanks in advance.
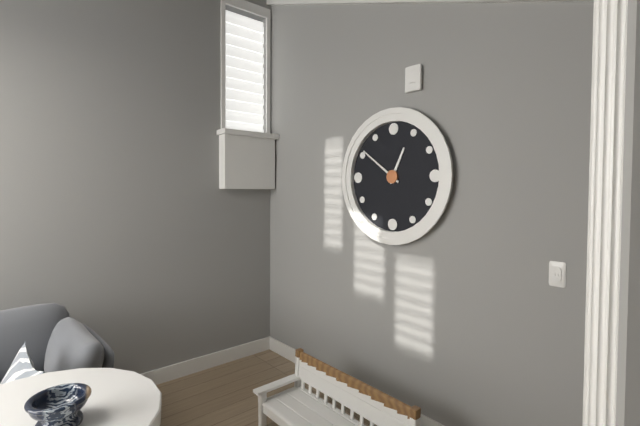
12.51
